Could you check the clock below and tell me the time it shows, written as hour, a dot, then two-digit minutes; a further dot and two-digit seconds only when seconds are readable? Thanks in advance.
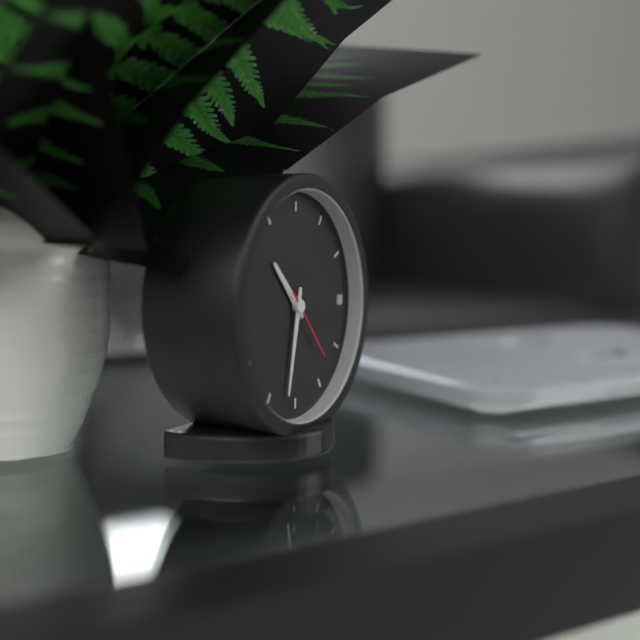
10.32.23
